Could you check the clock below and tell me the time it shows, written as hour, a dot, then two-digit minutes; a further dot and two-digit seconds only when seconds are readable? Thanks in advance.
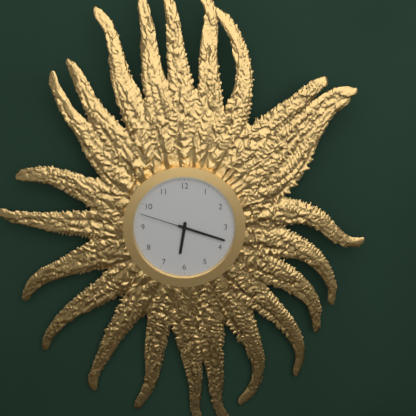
6.18.48
